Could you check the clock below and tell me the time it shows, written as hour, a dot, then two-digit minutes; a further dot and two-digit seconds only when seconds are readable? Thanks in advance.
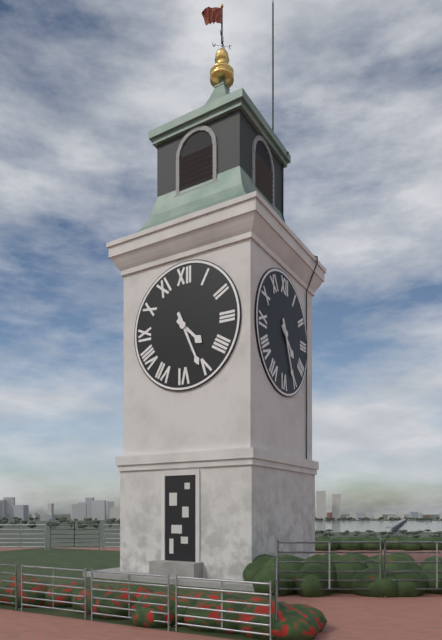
4.26
